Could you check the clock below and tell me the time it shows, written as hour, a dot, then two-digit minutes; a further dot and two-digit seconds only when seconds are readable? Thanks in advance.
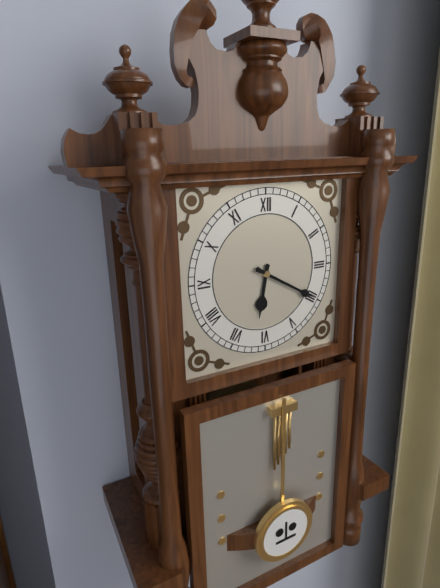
6.20
